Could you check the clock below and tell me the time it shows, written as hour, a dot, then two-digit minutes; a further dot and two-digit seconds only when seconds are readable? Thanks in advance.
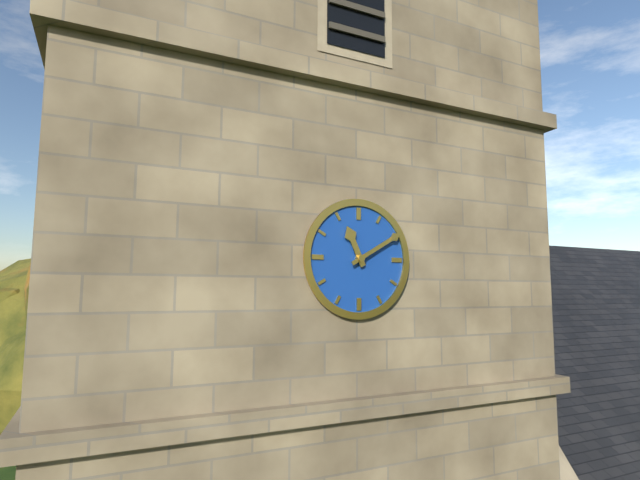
11.10
